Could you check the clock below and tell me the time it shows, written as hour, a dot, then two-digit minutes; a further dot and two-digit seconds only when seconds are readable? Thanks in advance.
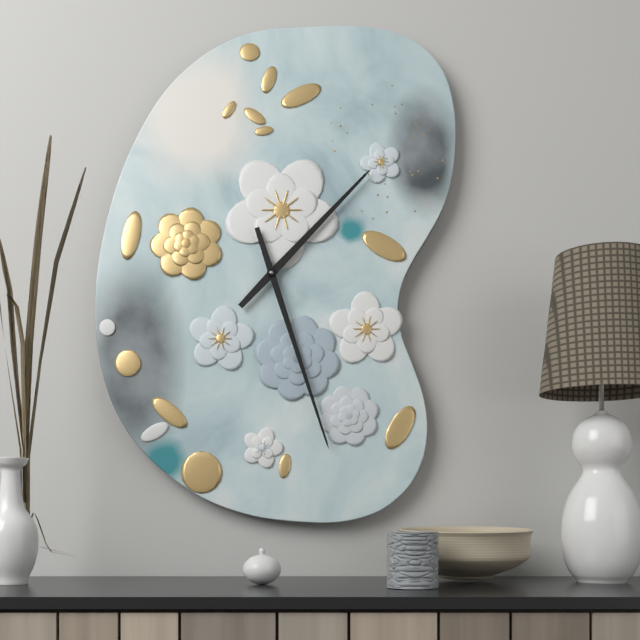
1.27
